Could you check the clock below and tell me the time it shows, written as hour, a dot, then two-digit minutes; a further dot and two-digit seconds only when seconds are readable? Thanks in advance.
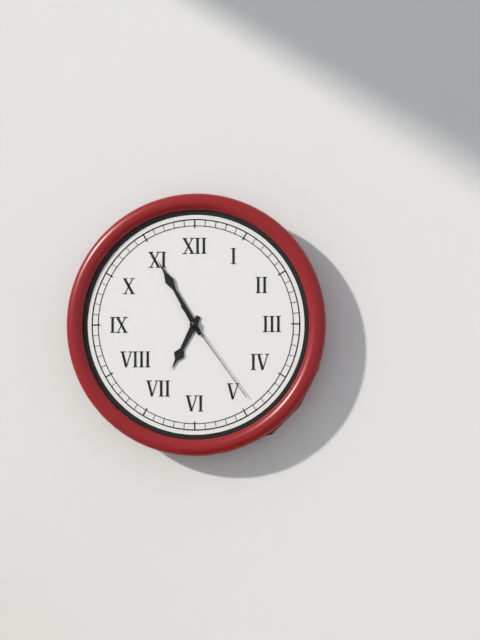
6.55.24
